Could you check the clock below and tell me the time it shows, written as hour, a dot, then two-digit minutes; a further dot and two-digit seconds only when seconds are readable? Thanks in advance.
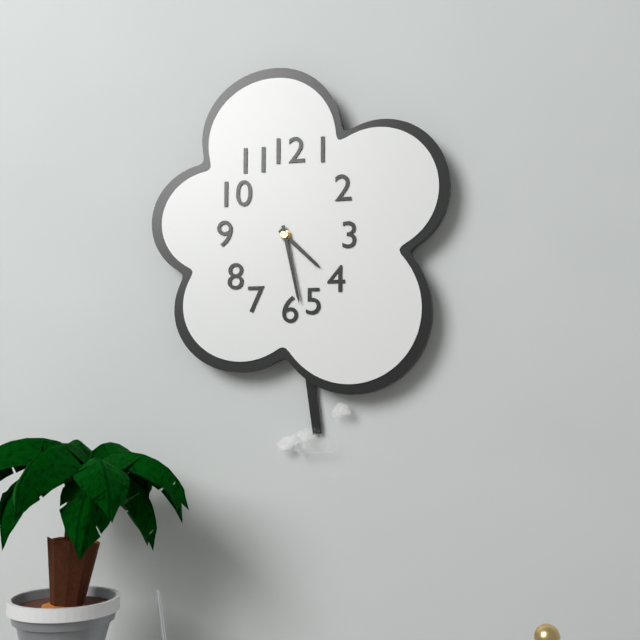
4.28
